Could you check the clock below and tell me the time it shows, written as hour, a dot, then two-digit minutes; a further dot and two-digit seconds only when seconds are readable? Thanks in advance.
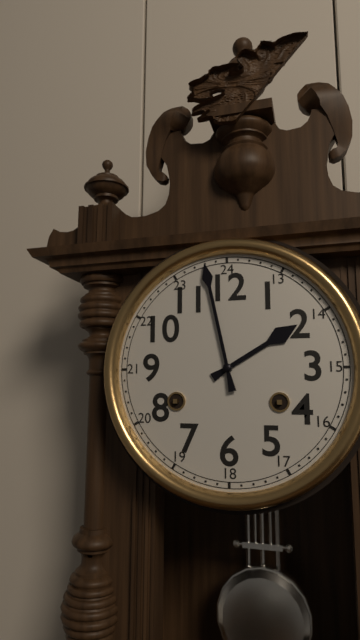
1.58
